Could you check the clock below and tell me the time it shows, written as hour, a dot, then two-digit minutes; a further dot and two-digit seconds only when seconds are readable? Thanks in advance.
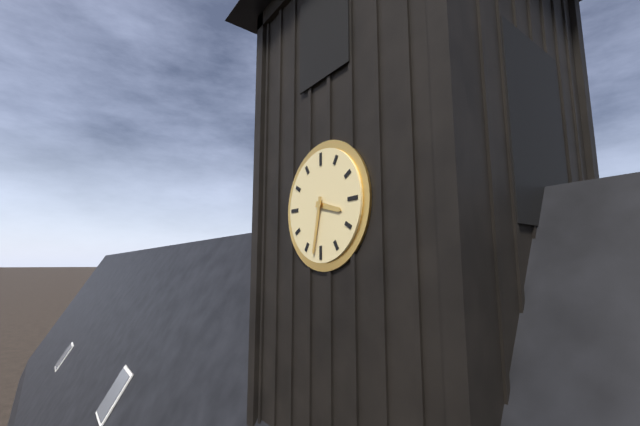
3.32
